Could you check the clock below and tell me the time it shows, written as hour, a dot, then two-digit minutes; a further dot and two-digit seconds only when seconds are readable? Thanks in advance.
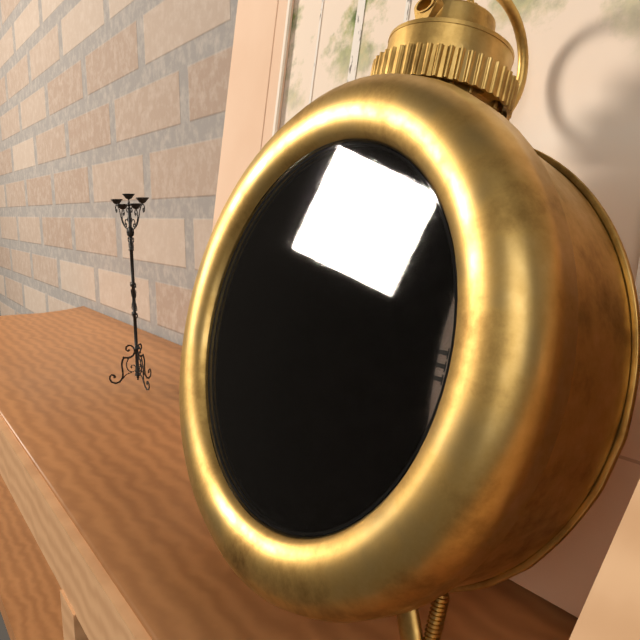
11.08.23
